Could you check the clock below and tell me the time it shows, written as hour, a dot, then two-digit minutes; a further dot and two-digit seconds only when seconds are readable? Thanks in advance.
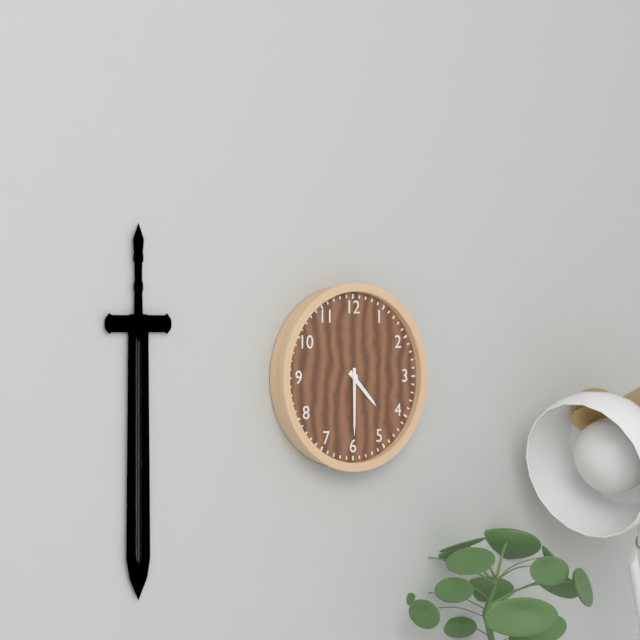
4.30
